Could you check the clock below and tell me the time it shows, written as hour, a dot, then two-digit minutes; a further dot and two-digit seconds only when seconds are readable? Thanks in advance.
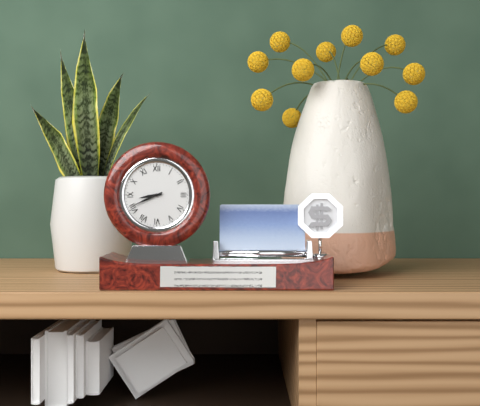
8.41
